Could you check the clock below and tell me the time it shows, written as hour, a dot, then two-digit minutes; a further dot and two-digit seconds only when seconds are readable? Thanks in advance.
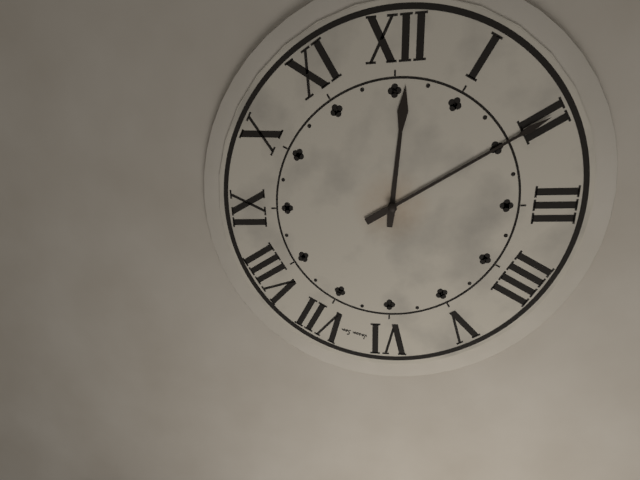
12.10
